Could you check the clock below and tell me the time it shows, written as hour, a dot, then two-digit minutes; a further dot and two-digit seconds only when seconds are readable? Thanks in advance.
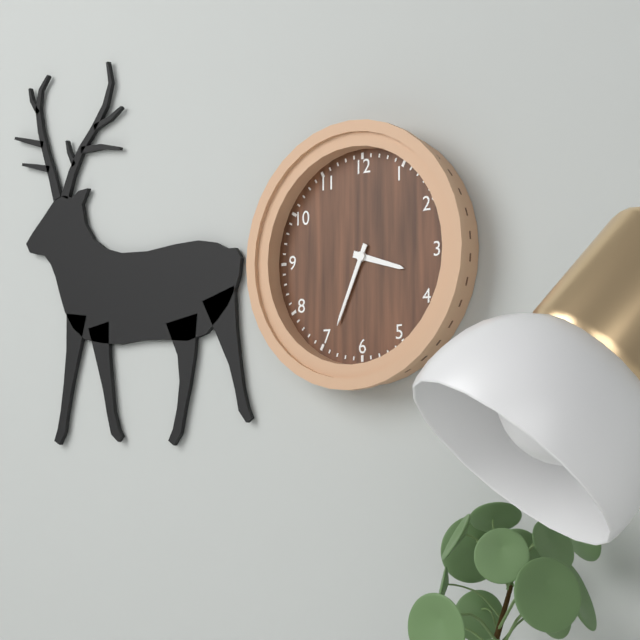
3.34
